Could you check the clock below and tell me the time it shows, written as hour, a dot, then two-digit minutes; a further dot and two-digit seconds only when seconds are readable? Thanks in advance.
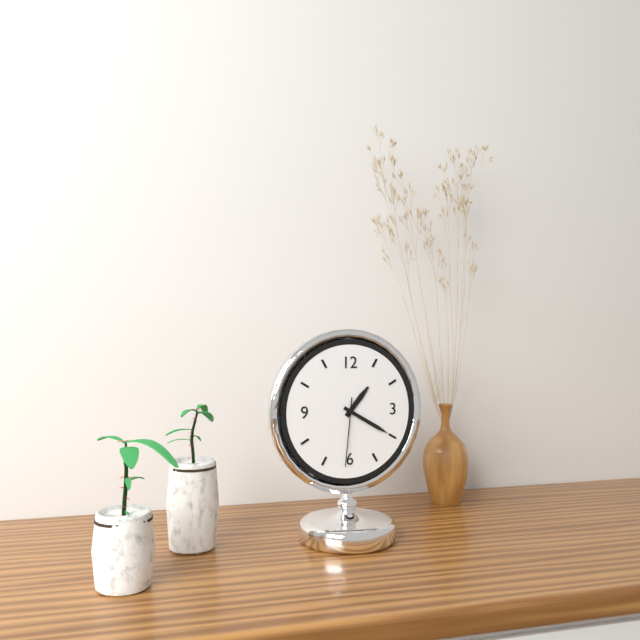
1.20.31
